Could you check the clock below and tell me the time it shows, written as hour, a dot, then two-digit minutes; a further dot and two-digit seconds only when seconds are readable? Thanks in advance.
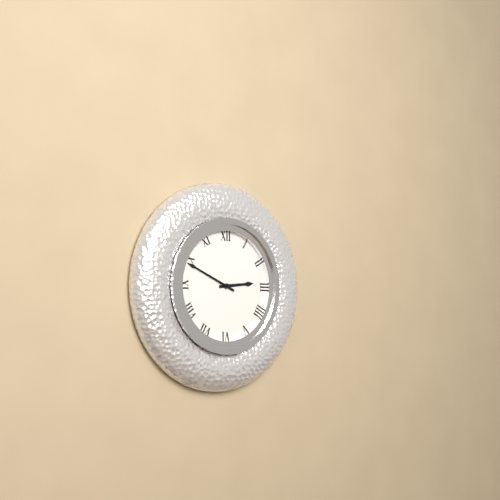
2.49
